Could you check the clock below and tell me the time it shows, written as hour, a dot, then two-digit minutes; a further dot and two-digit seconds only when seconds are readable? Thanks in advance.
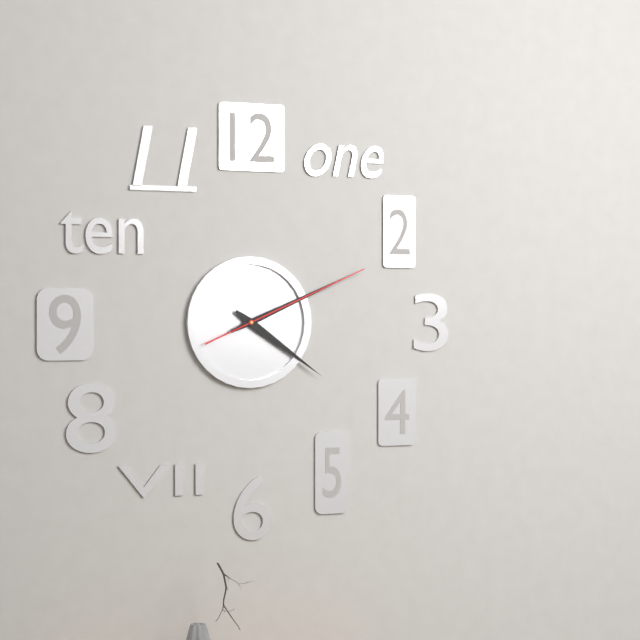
4.11.11
